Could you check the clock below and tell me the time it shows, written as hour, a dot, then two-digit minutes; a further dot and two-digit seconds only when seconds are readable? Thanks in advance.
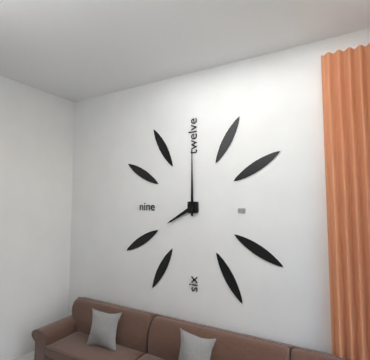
8.00
